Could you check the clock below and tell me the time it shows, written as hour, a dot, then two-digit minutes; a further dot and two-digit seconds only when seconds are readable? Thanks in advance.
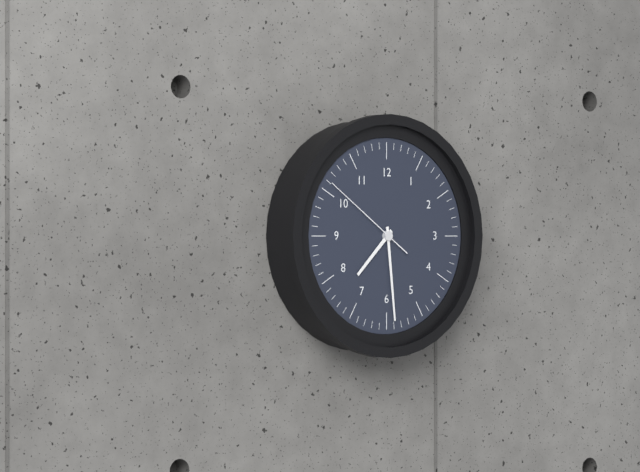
7.29.51
